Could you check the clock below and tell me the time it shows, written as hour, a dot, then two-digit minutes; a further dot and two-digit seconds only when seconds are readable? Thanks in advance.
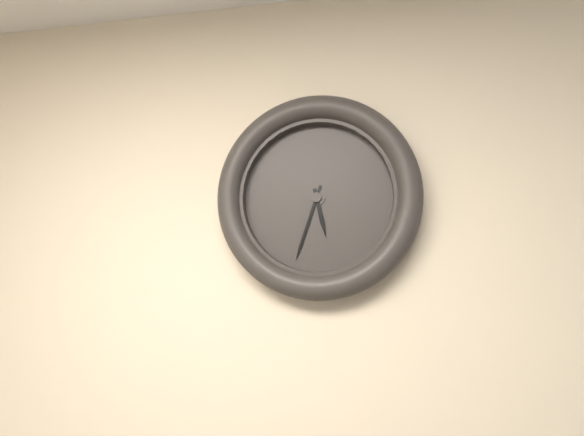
5.33
